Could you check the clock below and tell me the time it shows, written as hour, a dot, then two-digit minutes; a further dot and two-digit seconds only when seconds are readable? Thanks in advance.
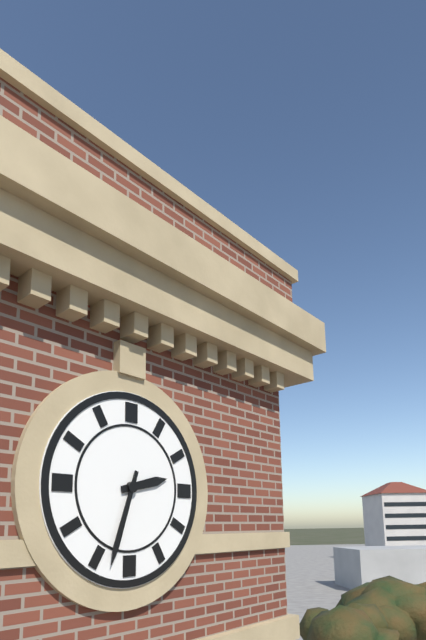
2.33
